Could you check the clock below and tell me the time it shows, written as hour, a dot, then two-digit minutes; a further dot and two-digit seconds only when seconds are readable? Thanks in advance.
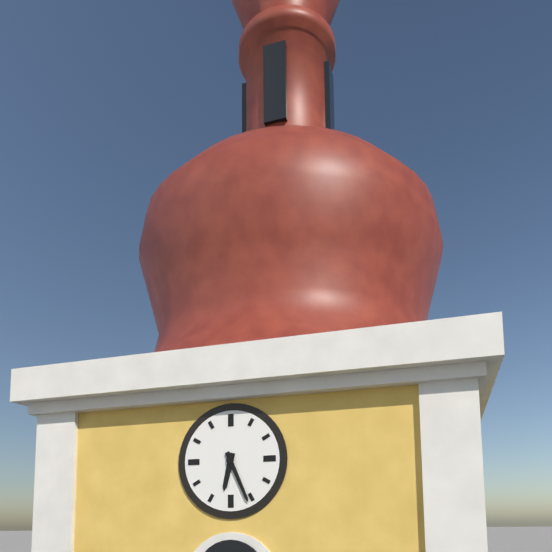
6.26
